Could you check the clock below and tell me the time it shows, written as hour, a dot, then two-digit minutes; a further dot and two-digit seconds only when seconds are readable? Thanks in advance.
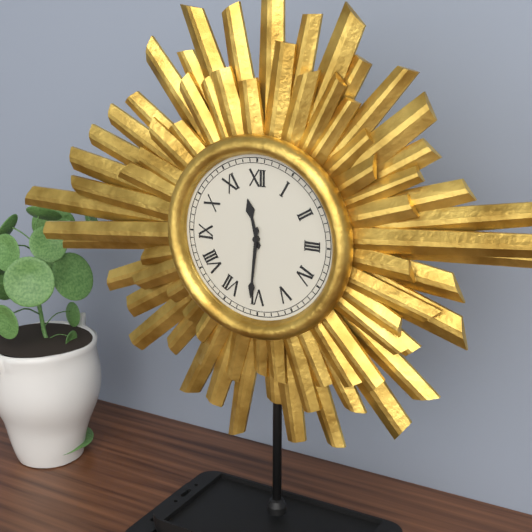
11.31
